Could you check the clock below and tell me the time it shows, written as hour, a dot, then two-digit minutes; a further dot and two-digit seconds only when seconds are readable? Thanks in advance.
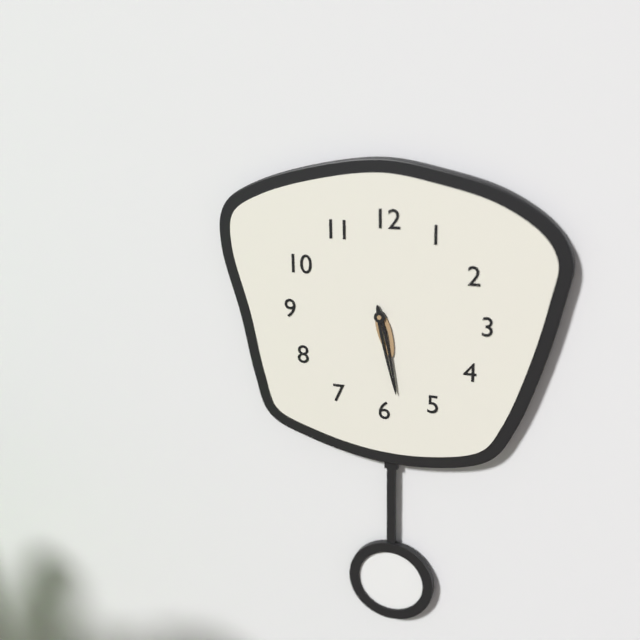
5.28
